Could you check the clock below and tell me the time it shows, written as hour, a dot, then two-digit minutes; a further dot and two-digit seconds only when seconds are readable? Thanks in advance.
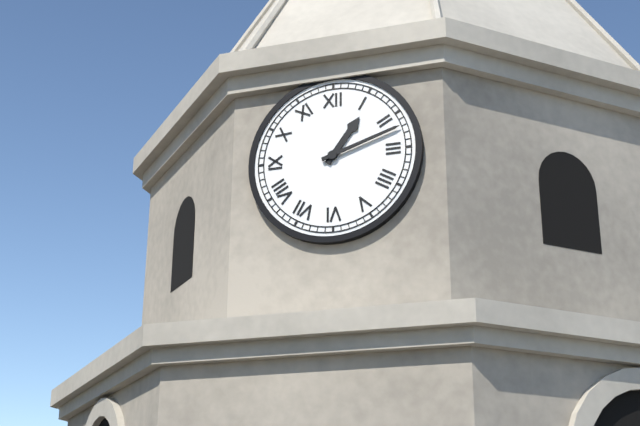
1.12
